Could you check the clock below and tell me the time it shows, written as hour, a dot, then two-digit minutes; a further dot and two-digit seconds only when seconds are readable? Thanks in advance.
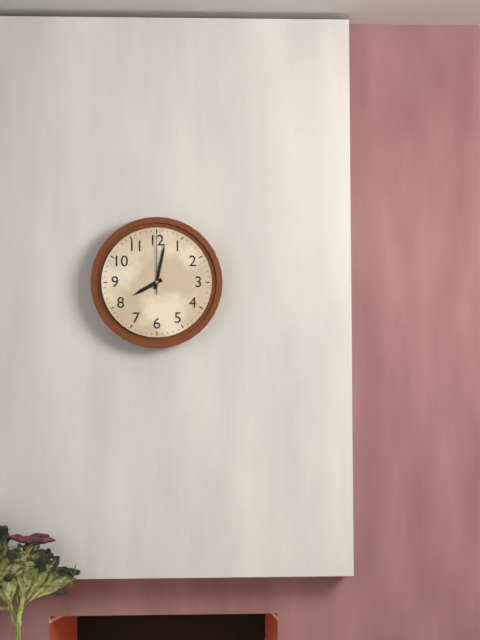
8.02.00
